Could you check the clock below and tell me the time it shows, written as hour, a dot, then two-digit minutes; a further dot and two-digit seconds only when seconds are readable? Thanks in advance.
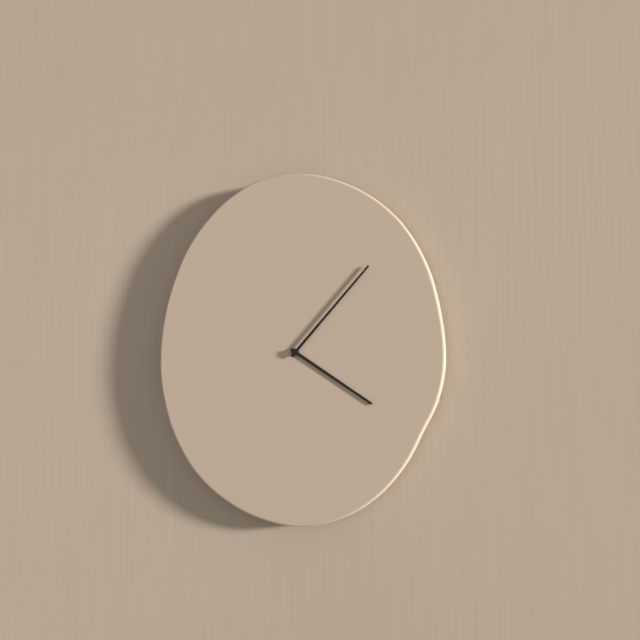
4.07
